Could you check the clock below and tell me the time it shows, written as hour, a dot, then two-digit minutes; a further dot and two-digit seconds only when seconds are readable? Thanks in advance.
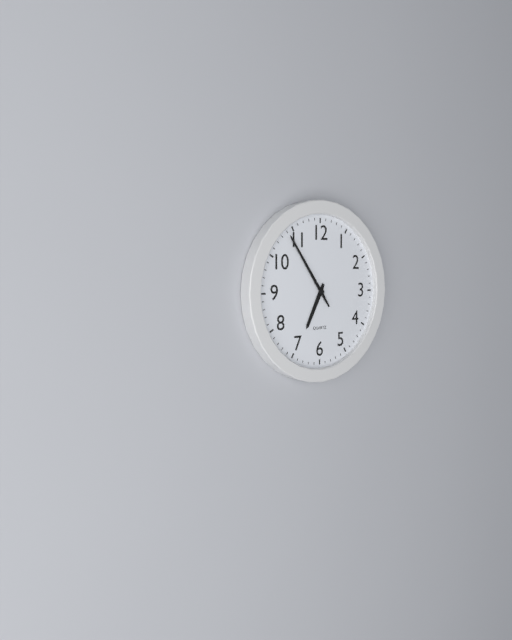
6.54
